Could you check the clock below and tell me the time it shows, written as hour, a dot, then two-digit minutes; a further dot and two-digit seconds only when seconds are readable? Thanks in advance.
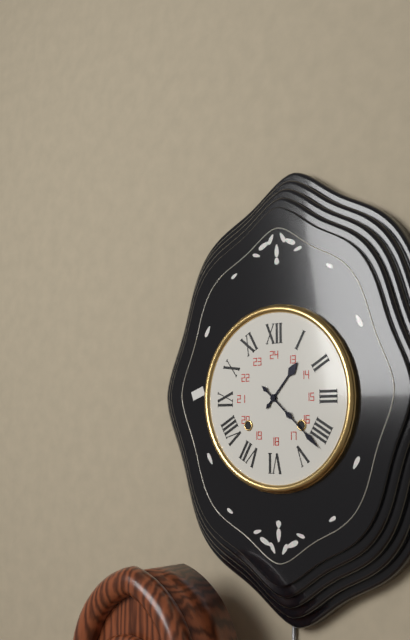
1.22
